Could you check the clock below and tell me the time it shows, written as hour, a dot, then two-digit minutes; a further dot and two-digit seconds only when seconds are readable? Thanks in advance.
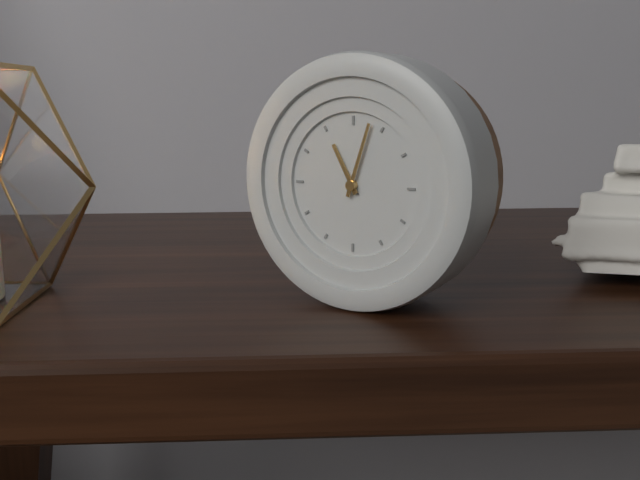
11.03
